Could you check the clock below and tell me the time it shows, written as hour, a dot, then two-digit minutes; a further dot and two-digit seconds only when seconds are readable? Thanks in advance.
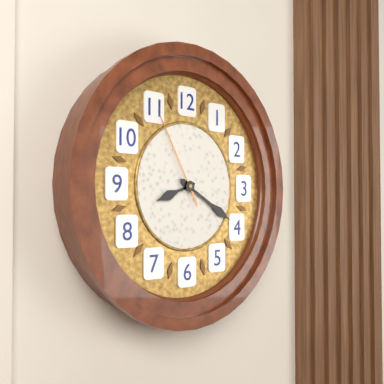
8.20.55
